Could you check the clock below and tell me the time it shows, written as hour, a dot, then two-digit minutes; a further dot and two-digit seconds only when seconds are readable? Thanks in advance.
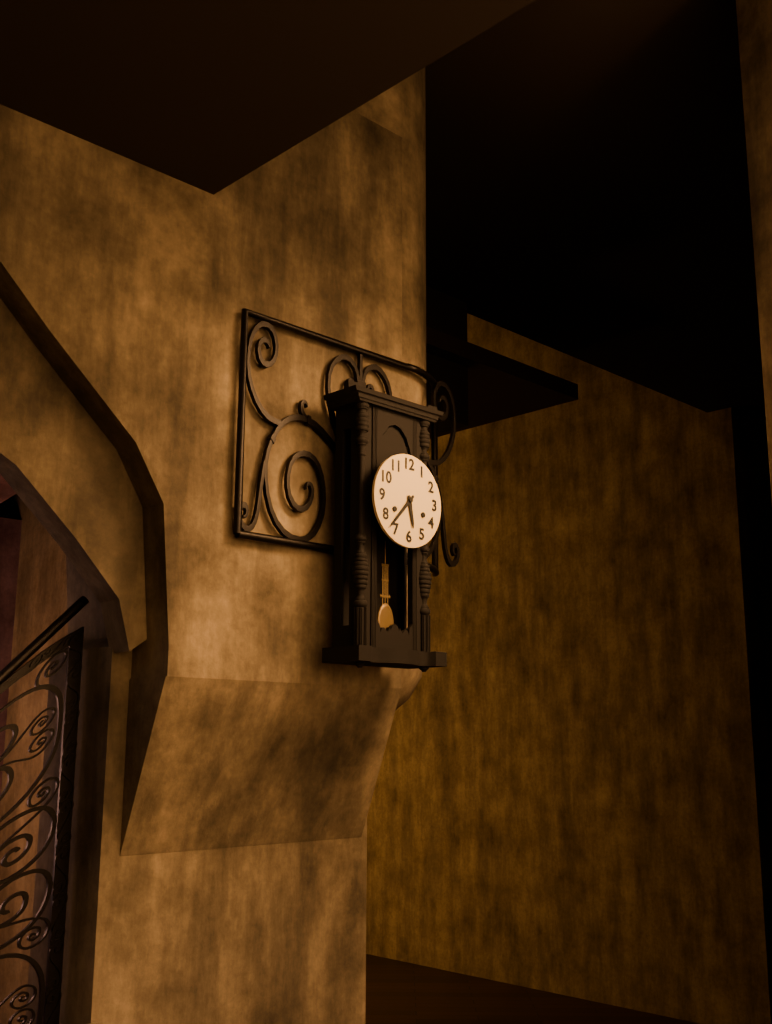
5.37
